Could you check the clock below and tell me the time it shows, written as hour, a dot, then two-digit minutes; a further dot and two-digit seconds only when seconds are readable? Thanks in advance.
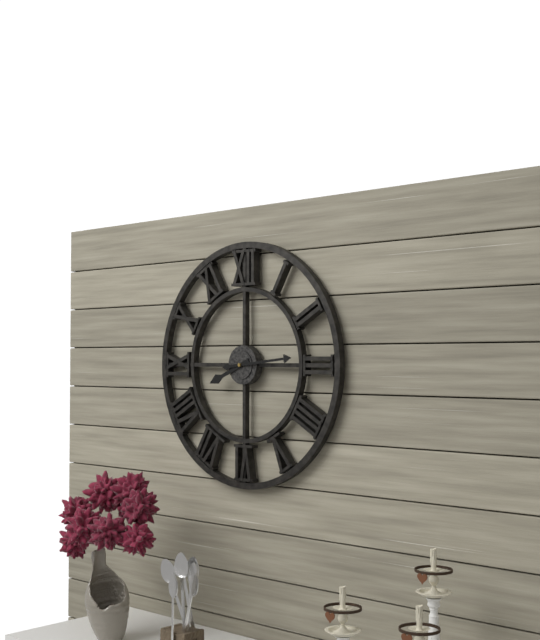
8.14
